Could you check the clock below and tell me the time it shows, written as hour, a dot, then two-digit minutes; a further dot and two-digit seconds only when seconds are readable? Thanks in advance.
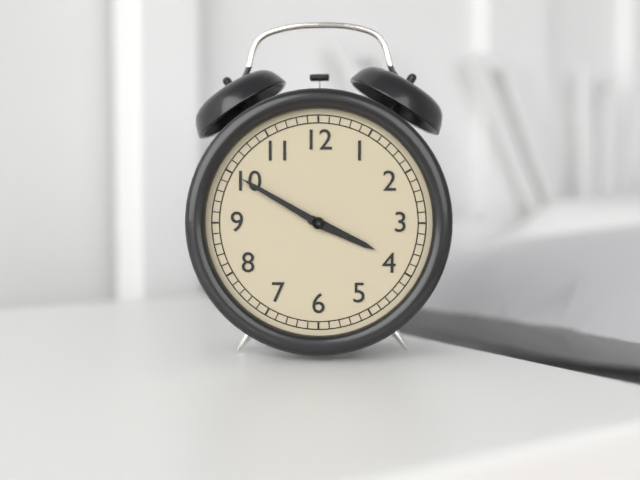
3.50
